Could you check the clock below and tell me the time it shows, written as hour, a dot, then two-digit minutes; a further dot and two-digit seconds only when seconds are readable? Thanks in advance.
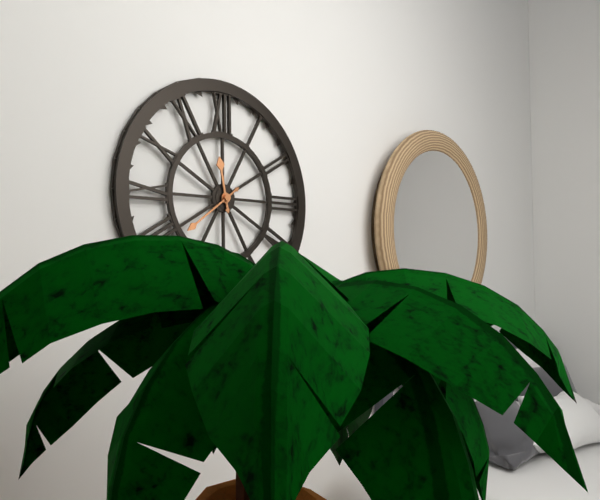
11.39
